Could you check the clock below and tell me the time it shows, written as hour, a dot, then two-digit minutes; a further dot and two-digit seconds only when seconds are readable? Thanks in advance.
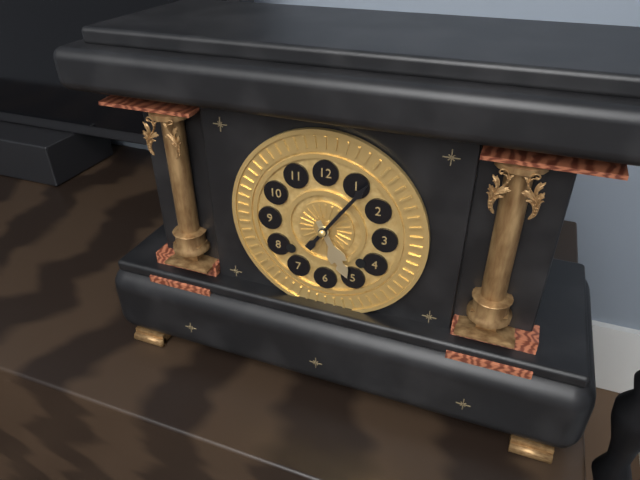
5.06
